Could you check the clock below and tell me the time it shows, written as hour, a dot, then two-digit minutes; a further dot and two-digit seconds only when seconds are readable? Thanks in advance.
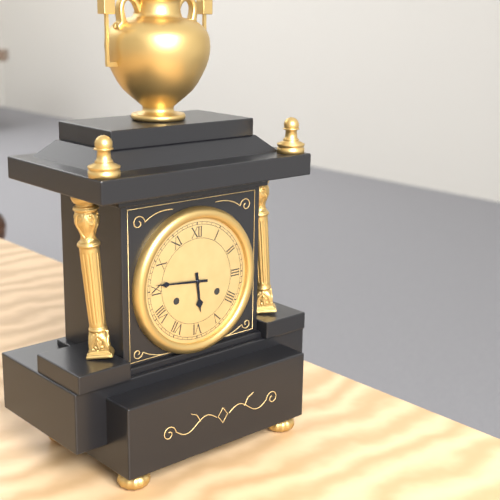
5.46
